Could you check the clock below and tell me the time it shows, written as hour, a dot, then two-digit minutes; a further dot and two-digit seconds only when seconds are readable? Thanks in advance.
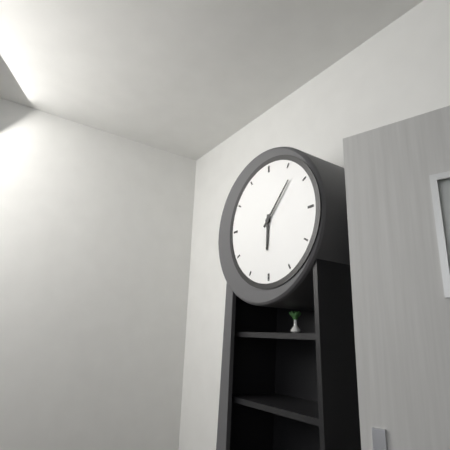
6.07
